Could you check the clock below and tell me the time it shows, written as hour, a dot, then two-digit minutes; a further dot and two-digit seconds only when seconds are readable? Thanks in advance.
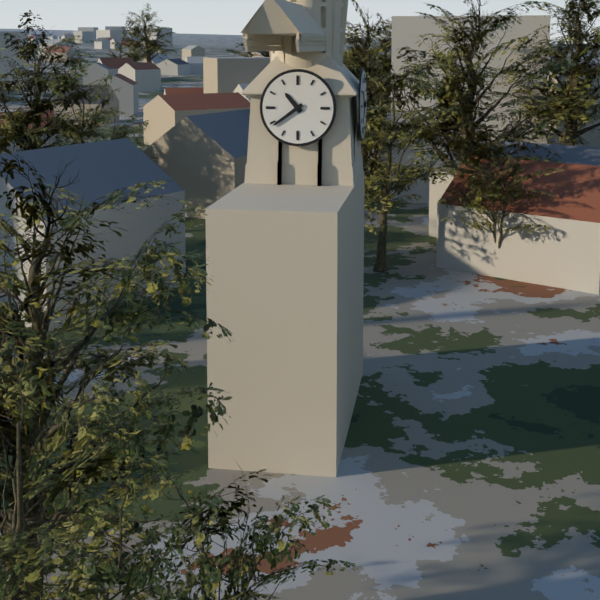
10.39
